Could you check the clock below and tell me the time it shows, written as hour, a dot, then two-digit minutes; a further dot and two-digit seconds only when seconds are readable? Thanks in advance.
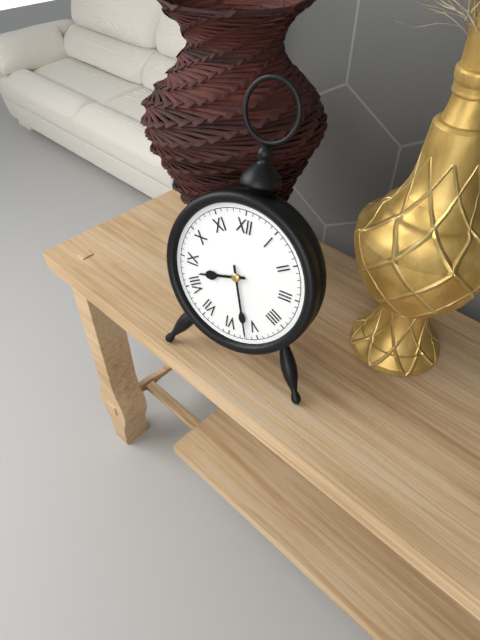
8.27
